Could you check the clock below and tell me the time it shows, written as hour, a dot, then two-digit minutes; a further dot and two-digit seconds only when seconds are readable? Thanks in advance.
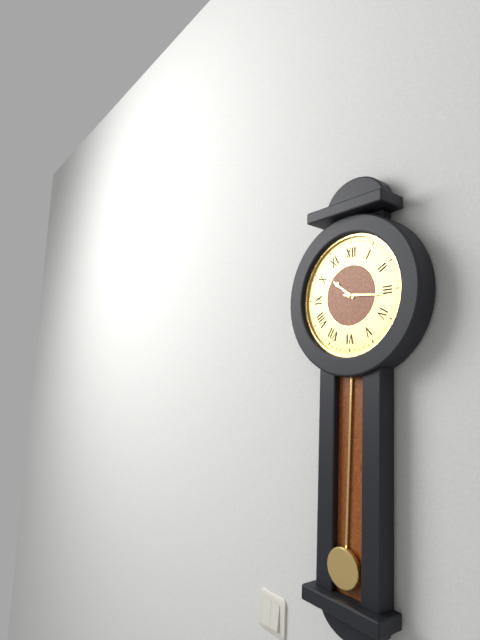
10.16
